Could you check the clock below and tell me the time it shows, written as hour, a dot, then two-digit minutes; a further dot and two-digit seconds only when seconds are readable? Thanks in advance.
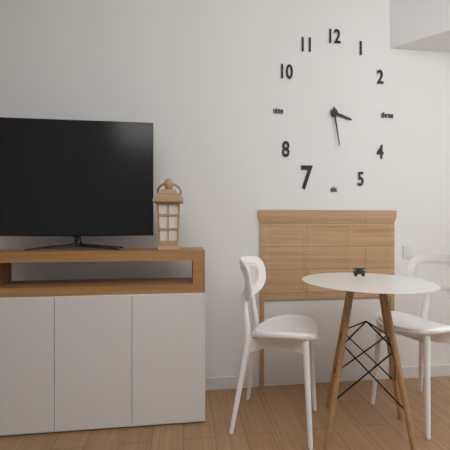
3.28
